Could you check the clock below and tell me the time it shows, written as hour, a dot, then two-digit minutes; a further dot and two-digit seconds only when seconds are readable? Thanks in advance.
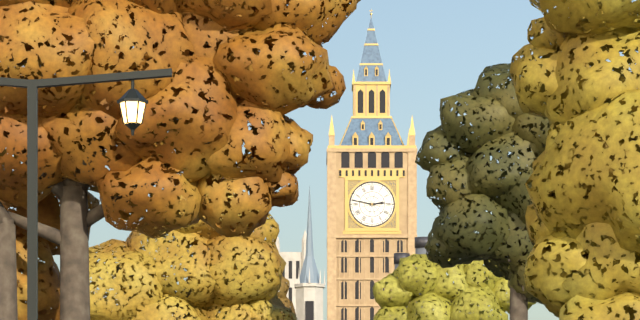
2.47
